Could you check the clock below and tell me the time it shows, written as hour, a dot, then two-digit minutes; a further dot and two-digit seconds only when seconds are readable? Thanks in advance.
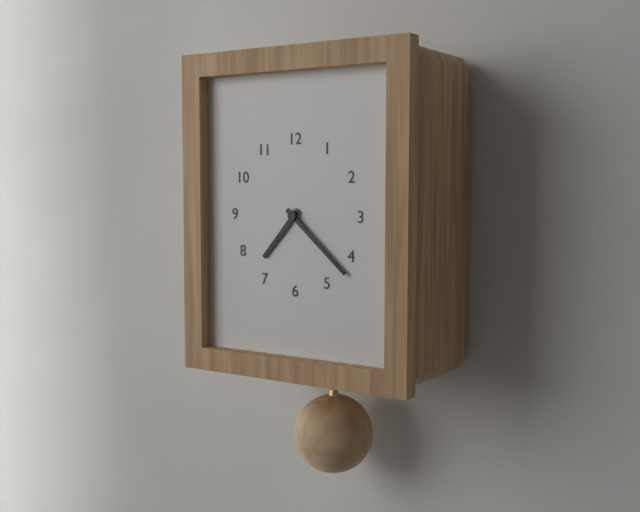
7.22
